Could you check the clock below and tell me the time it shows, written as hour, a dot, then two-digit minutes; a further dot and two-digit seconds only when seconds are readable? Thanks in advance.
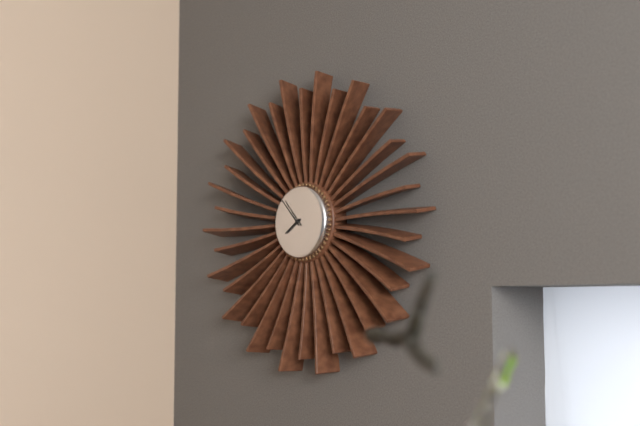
7.53
